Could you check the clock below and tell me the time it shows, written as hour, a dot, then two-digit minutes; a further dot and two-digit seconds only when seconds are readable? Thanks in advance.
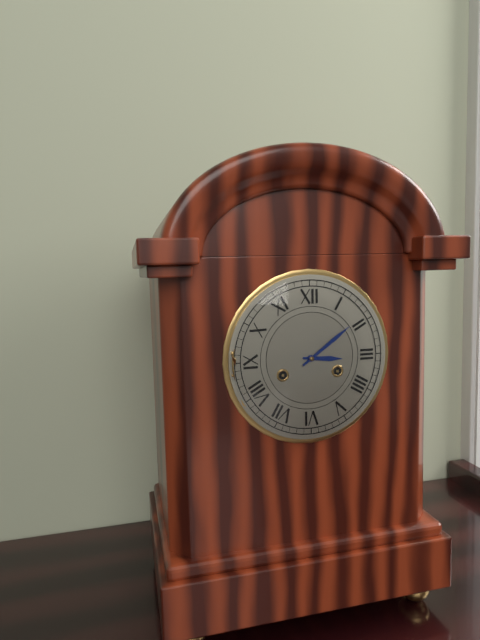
3.09
